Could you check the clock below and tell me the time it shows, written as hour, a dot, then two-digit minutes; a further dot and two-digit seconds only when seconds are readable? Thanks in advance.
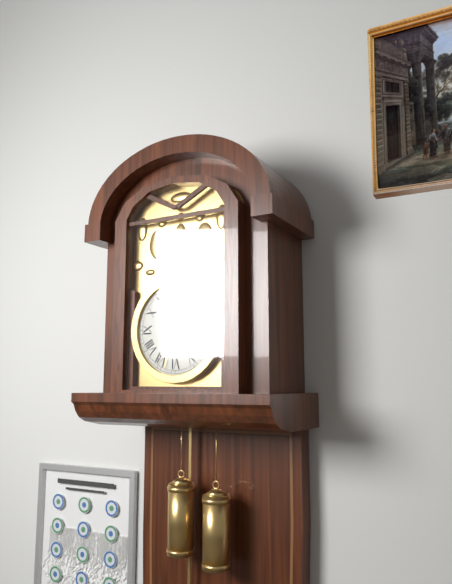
10.33
